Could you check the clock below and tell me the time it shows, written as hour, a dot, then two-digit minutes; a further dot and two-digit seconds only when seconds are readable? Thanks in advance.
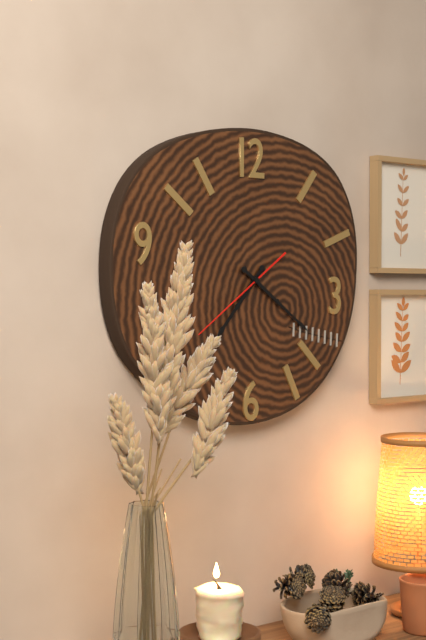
7.21.39
